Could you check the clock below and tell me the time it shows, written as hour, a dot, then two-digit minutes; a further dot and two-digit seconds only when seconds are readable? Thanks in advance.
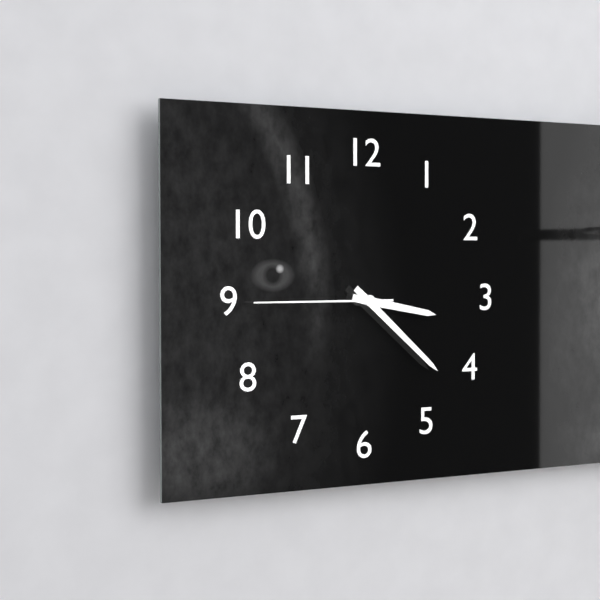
3.22.45
